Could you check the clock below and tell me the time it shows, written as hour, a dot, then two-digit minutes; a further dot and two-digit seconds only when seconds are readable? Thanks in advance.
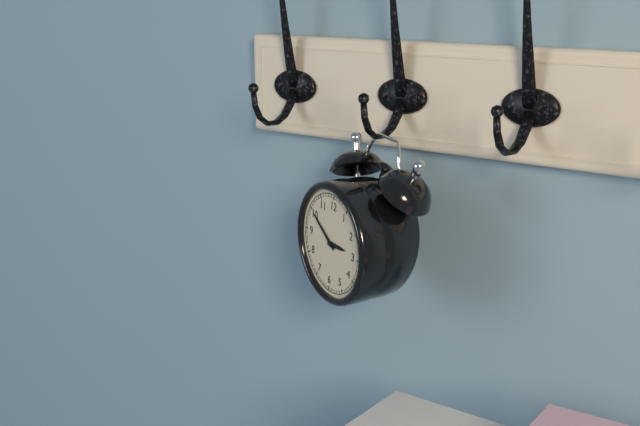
2.50
